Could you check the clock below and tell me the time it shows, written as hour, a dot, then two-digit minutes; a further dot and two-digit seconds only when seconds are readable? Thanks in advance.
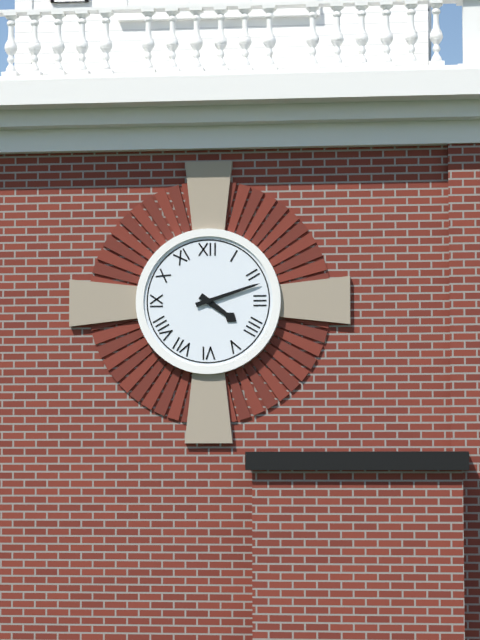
4.12
